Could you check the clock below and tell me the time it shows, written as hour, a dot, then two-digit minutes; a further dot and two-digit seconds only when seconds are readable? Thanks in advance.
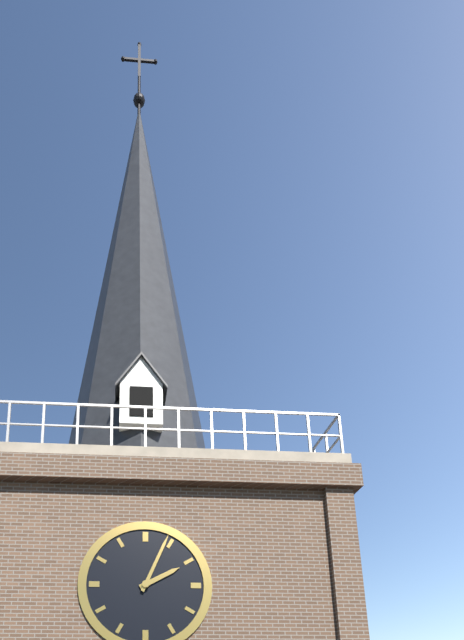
2.04
